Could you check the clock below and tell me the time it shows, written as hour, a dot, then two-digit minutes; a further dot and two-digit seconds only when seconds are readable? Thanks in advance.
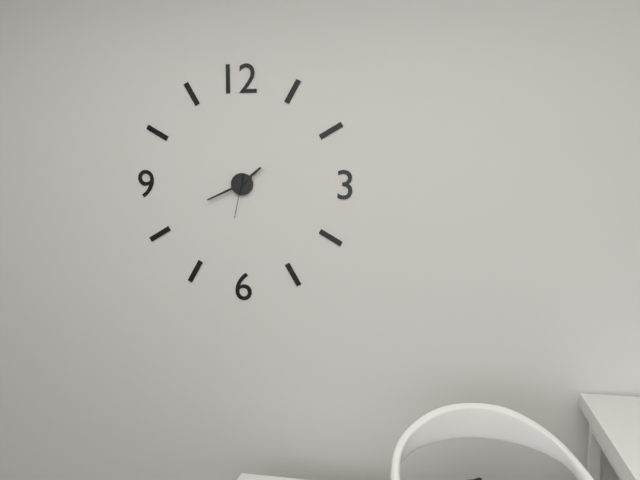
1.41
